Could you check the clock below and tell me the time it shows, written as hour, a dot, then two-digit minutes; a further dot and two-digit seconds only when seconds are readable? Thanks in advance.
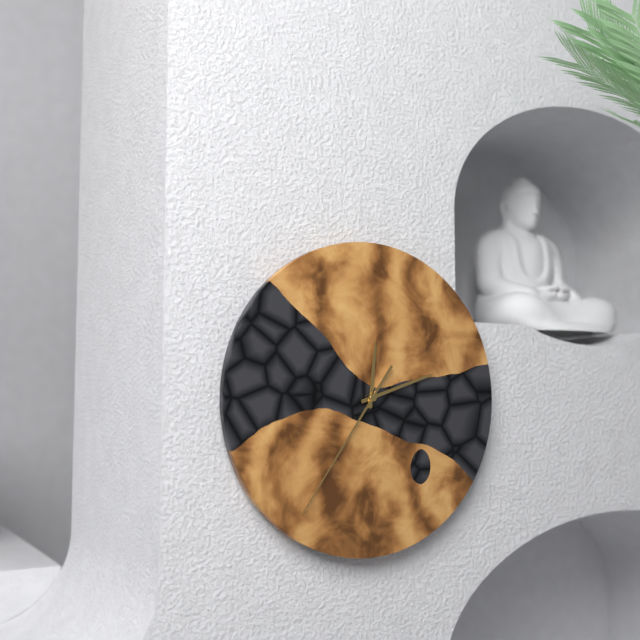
12.12.36
